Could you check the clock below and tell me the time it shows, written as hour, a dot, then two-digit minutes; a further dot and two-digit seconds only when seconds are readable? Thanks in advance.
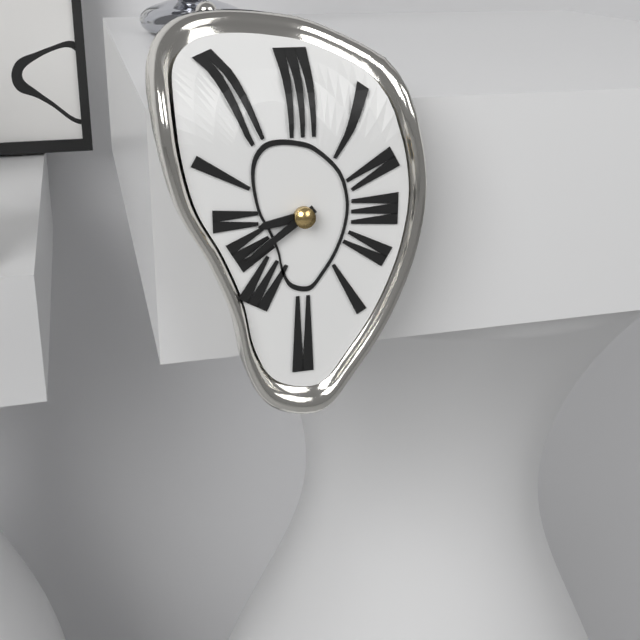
8.39
